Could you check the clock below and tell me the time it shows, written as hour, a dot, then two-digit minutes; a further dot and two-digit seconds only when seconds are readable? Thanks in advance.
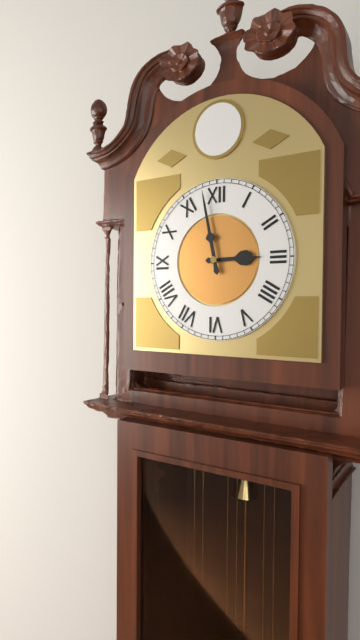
2.58
